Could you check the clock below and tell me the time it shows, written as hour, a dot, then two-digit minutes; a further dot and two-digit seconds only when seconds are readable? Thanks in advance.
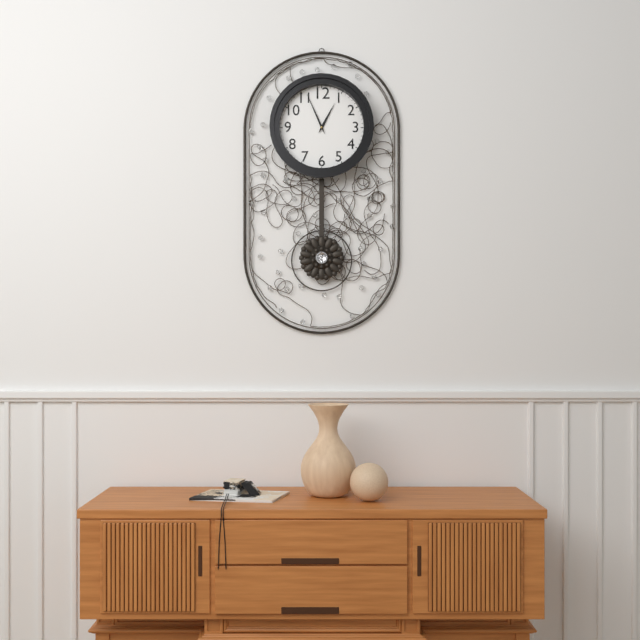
12.56
